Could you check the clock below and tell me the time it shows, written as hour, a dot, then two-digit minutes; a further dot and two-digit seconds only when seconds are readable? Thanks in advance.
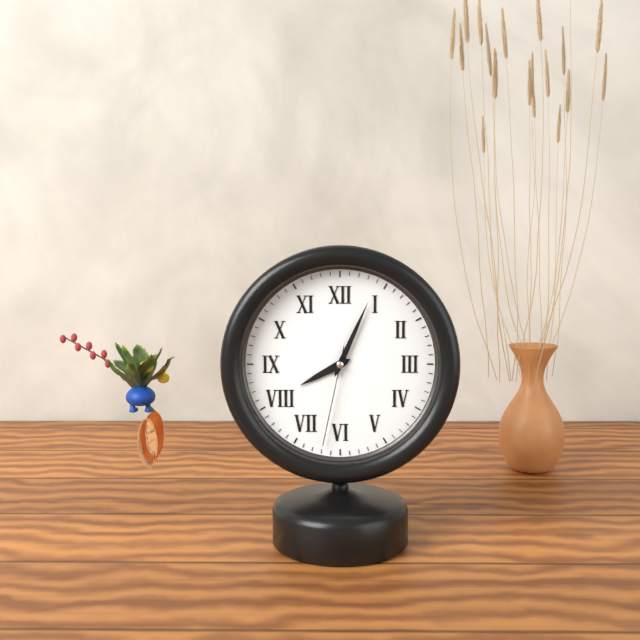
8.04.32
